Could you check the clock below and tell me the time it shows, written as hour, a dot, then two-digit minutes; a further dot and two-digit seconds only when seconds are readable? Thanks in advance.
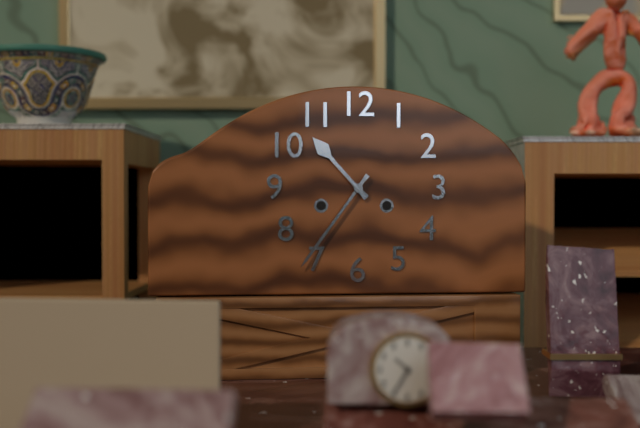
10.36
